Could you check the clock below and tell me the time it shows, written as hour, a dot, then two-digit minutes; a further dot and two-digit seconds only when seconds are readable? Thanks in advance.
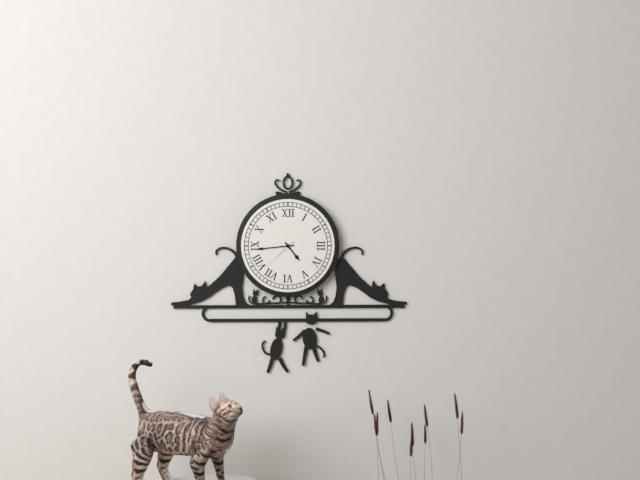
4.44
